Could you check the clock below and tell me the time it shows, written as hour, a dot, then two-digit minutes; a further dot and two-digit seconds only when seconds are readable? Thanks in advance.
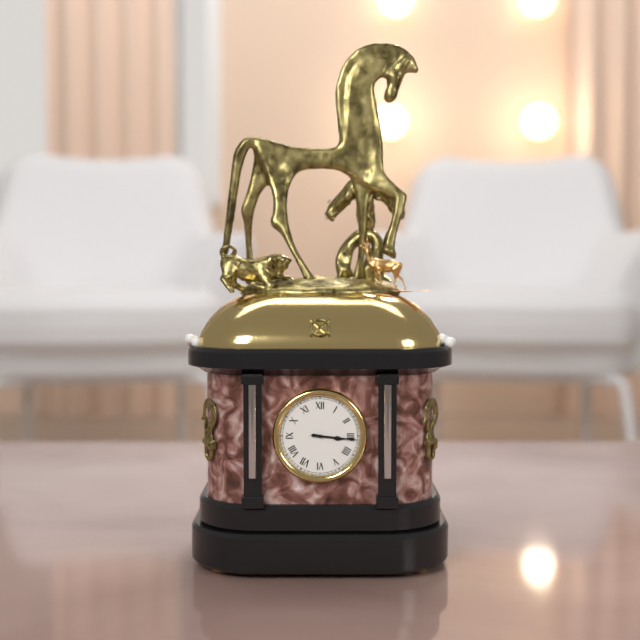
3.16
